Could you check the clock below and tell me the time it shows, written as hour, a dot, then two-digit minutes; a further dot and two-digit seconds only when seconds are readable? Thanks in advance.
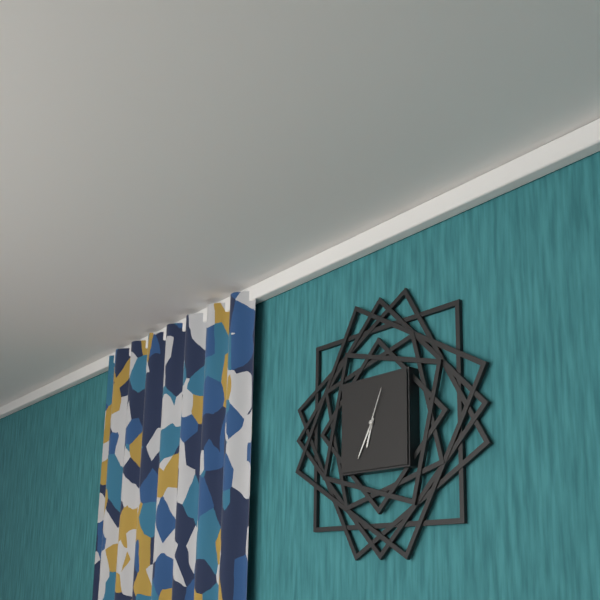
6.35
